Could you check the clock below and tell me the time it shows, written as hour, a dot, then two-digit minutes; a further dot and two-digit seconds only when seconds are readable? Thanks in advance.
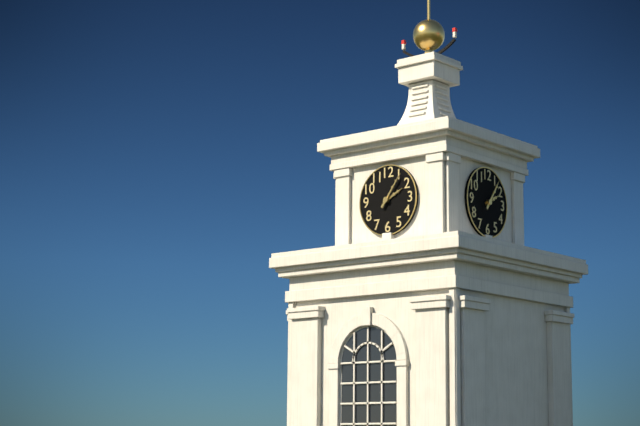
2.06
